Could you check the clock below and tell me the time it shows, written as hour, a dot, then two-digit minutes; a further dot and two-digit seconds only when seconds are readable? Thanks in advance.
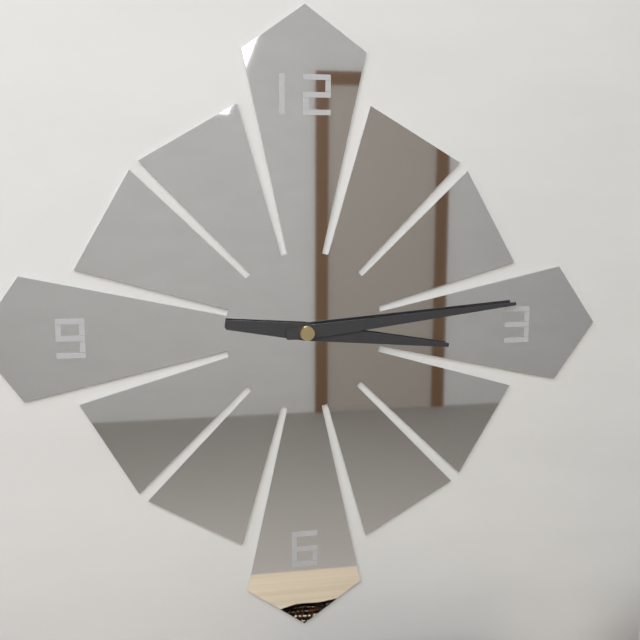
3.14
